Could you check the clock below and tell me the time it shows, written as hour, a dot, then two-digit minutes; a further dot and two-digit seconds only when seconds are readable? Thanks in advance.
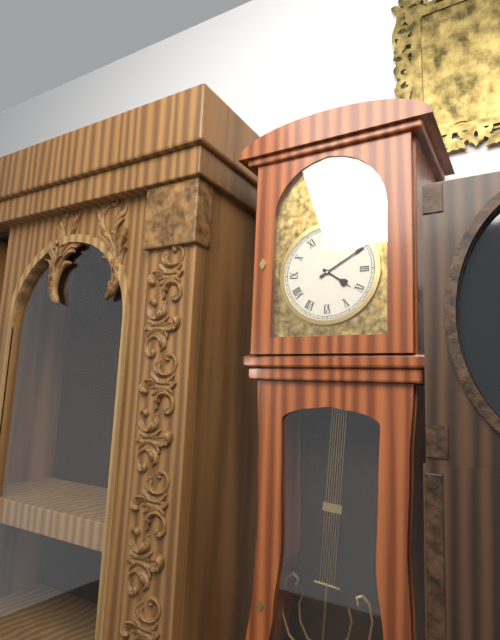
4.10
